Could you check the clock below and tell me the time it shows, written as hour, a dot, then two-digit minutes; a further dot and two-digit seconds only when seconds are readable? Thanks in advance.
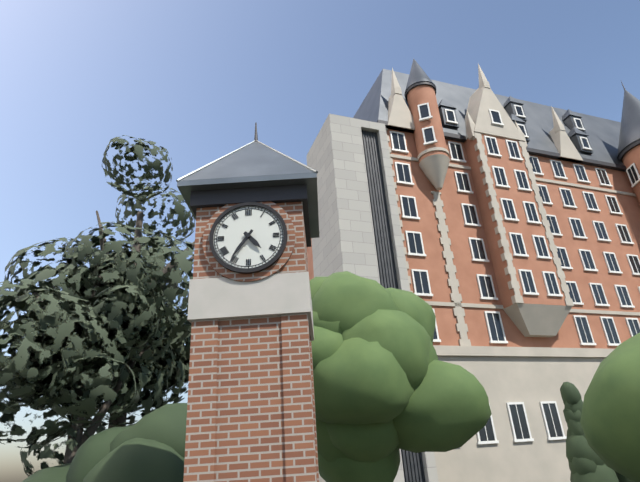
4.36
